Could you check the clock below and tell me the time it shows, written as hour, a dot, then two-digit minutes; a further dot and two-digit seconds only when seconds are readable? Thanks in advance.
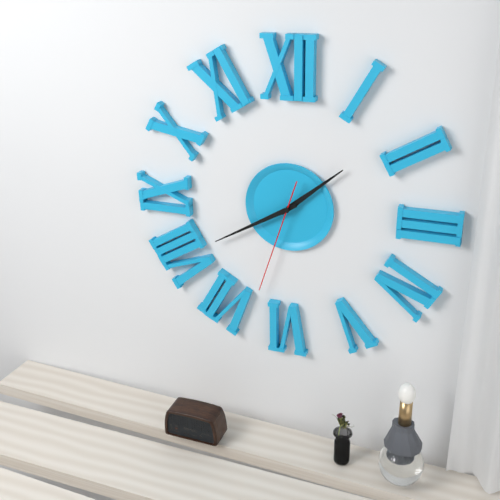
1.40.33
